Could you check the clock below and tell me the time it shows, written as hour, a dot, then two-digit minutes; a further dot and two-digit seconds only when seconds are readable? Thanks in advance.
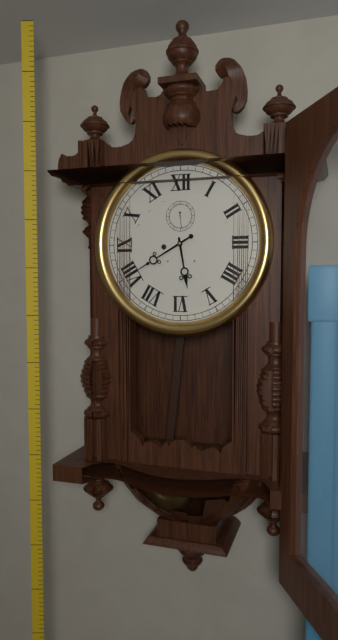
5.40
